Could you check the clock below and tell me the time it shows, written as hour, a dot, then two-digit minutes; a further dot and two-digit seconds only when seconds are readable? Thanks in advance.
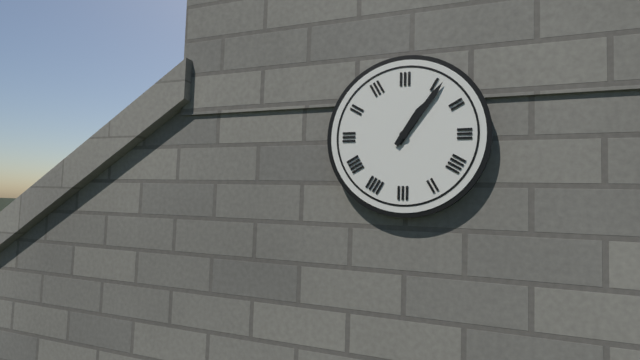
1.06
